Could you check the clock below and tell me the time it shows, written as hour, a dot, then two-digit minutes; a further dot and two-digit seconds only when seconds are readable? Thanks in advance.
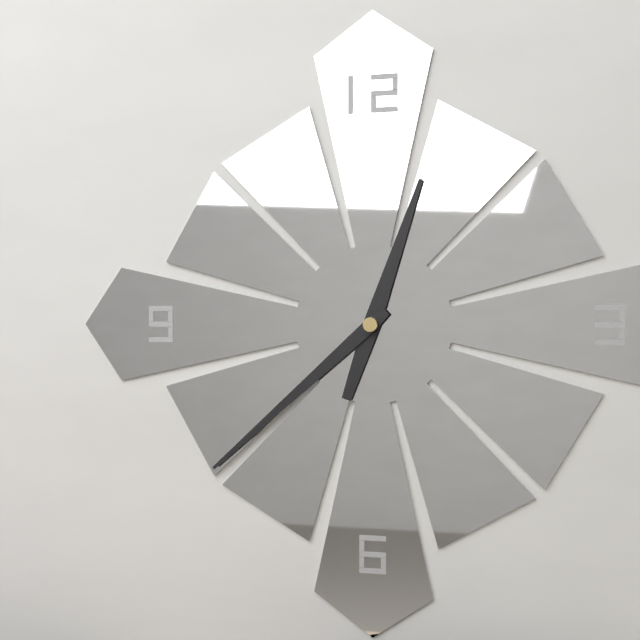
12.38
